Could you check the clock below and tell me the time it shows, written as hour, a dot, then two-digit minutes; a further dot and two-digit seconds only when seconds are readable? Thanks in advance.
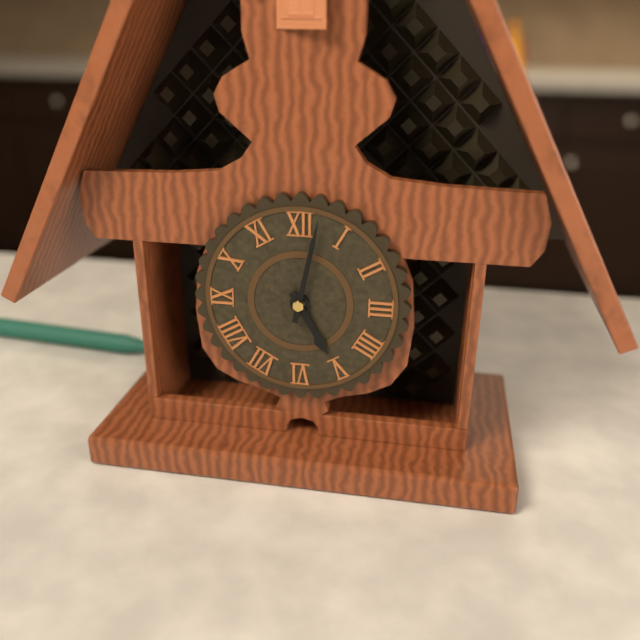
5.02
